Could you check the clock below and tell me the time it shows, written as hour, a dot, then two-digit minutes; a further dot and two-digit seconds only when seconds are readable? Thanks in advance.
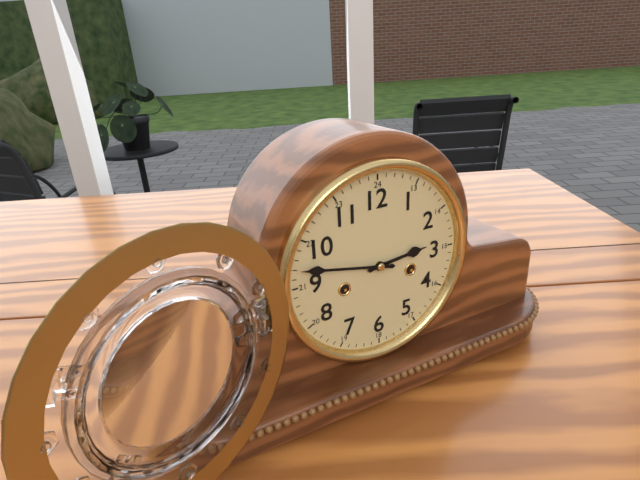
2.47
